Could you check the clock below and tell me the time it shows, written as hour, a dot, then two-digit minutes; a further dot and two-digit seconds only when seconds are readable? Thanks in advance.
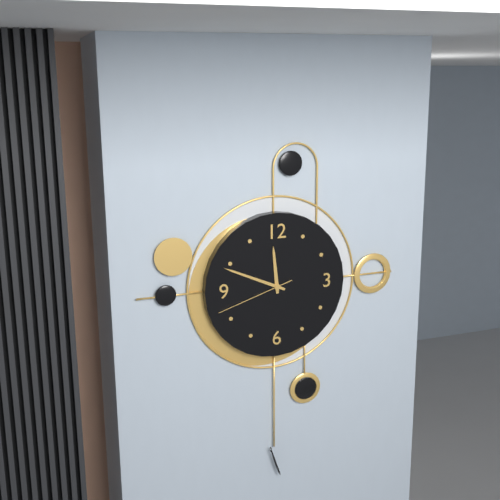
11.49.42
